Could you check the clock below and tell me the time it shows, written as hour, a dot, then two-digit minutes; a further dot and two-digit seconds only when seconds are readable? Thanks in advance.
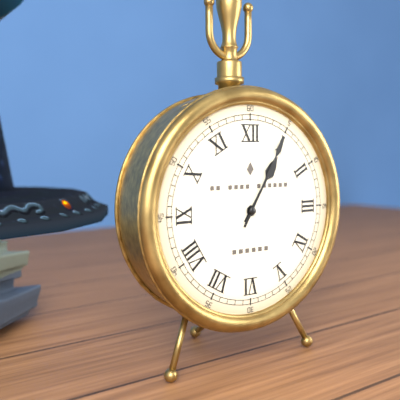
1.05
